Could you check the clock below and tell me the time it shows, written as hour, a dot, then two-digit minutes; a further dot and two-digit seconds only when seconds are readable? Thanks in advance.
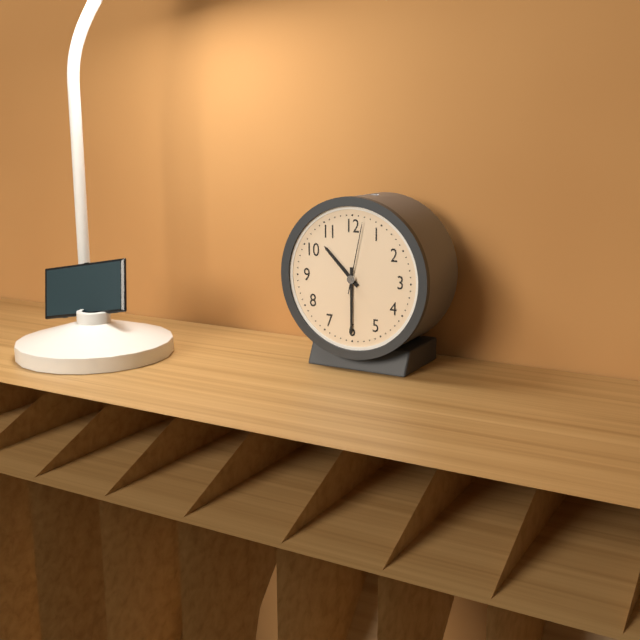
10.30.02
